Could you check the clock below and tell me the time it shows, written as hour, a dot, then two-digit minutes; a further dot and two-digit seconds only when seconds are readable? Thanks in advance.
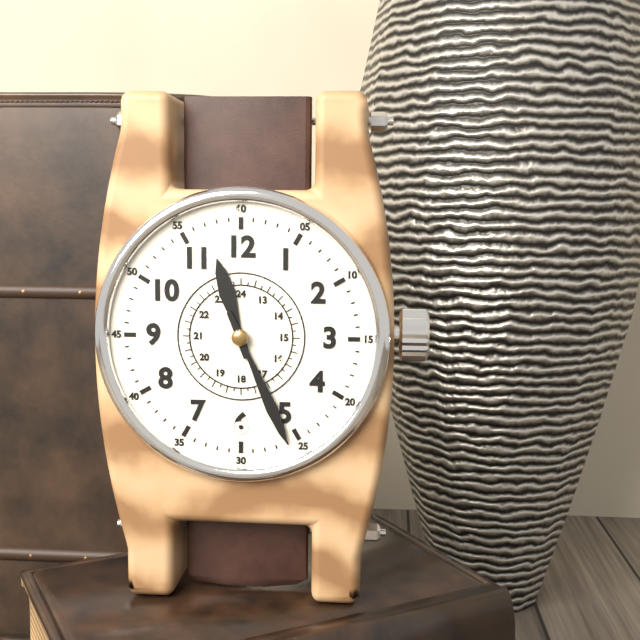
11.26
